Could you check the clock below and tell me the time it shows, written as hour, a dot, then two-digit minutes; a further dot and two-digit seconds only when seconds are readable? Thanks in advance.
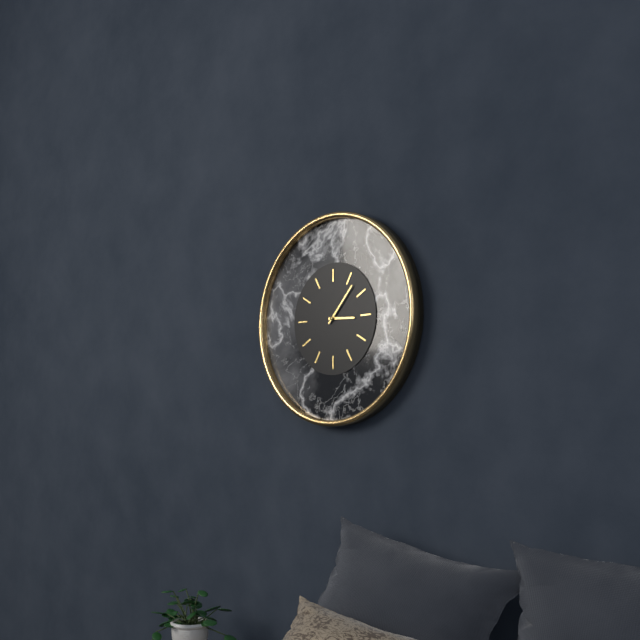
3.07
